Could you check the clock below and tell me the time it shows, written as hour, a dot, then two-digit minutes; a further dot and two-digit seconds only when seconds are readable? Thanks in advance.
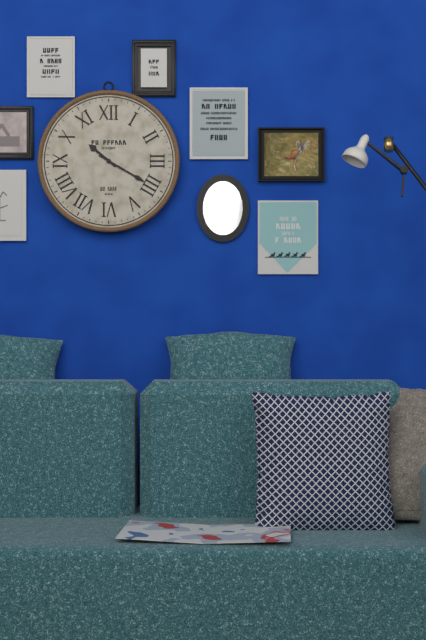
10.20
